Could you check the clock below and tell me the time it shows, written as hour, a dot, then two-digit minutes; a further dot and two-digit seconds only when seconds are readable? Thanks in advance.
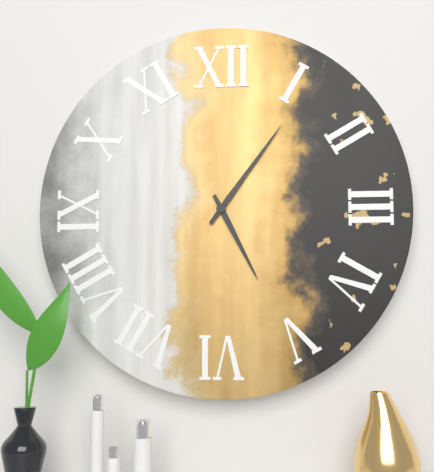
5.06
